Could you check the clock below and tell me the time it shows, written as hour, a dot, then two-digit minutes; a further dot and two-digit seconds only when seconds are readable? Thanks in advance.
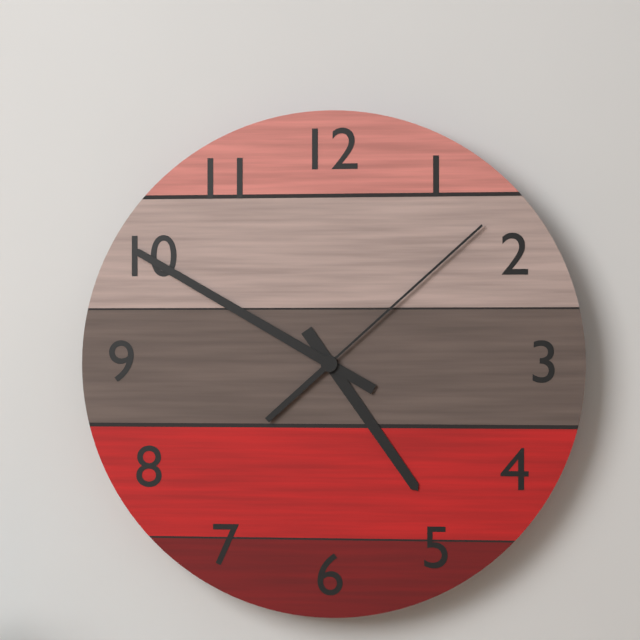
4.50.08
